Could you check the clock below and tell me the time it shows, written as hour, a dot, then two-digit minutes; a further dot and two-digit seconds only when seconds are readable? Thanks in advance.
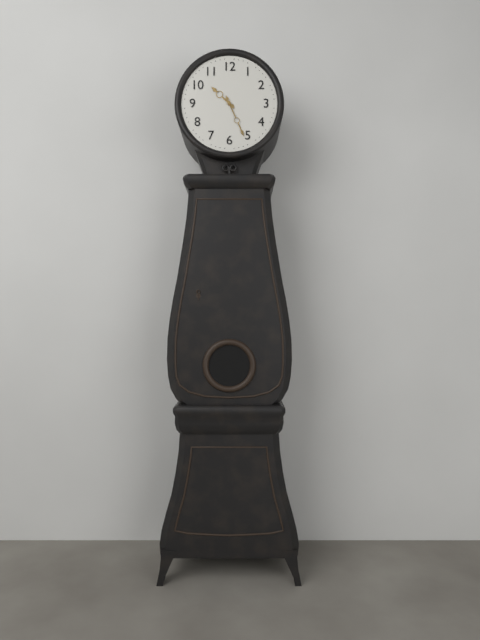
10.26
